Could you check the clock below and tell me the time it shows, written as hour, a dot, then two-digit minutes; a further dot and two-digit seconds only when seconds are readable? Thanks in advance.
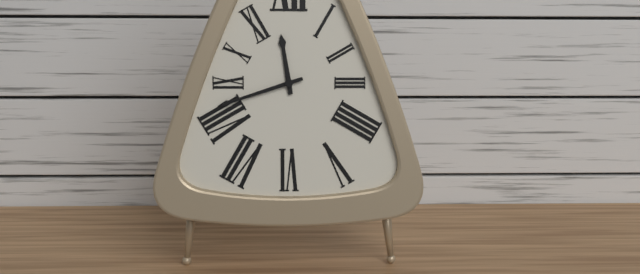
11.42
